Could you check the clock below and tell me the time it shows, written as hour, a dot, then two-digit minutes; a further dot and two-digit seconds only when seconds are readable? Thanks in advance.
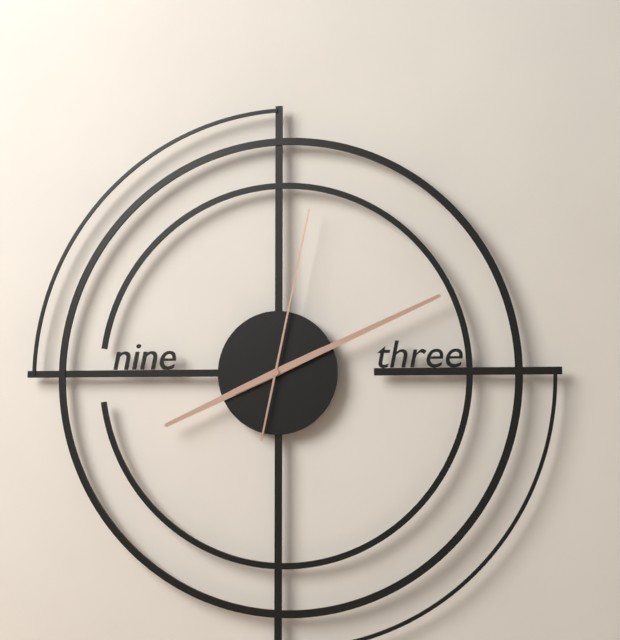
8.11.02
